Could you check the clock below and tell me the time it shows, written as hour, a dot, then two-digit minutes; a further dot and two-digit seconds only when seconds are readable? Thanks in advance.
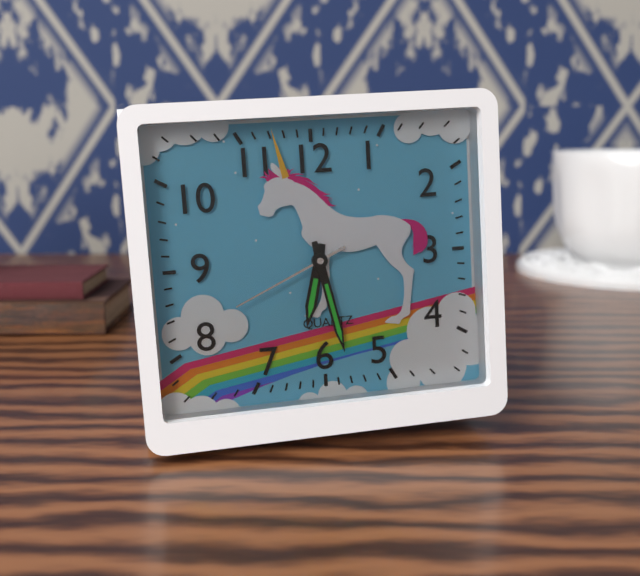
6.28.41
